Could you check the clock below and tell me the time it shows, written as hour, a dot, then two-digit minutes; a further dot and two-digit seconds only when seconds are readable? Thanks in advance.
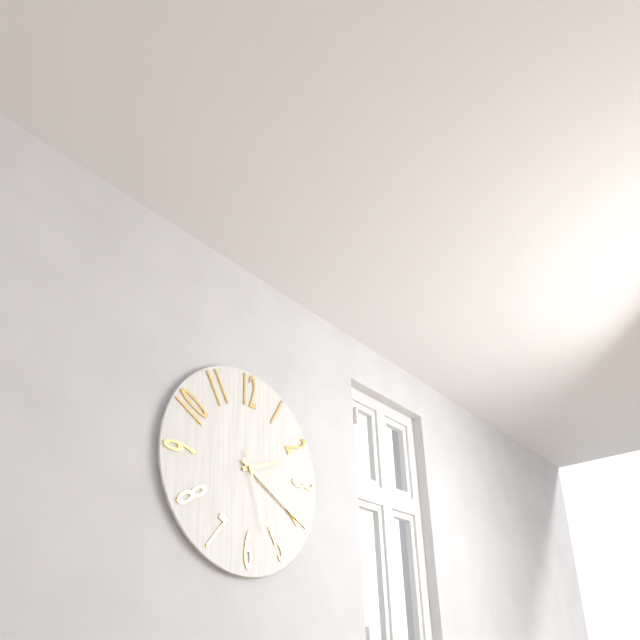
2.20.27
